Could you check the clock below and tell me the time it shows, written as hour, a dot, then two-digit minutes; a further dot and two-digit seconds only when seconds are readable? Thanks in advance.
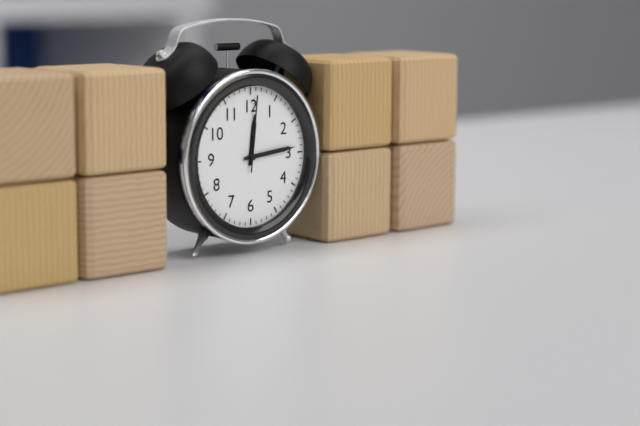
12.14.01
